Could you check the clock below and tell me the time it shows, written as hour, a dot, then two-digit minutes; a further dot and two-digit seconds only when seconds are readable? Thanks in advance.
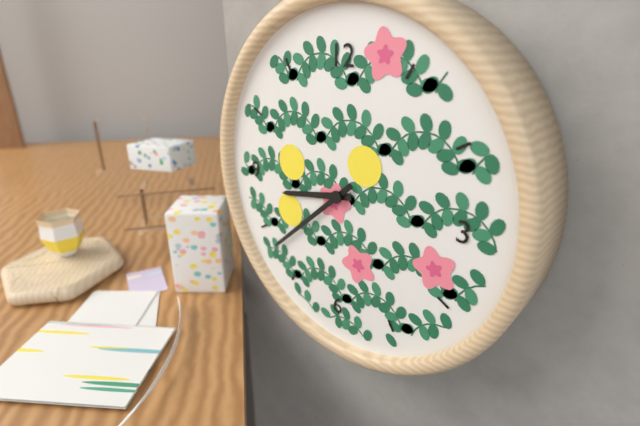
8.38
